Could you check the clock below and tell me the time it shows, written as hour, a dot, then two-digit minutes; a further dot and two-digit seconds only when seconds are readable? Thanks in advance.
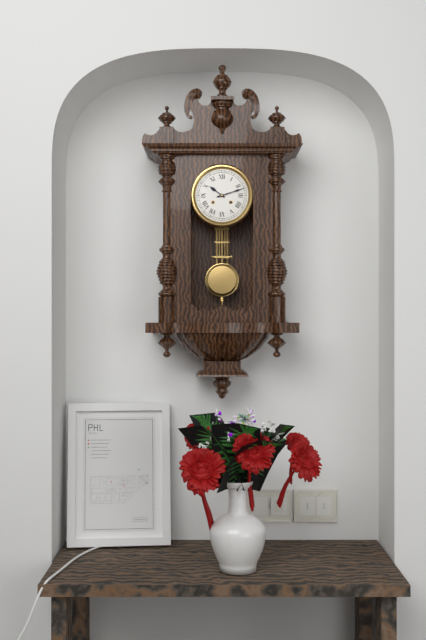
10.12
